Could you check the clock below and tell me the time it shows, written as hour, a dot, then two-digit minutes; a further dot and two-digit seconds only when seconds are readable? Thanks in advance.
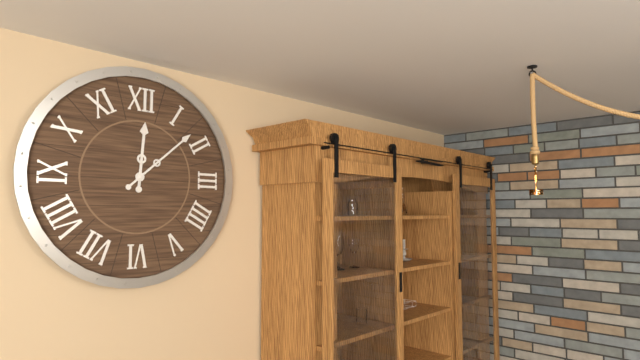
12.08
